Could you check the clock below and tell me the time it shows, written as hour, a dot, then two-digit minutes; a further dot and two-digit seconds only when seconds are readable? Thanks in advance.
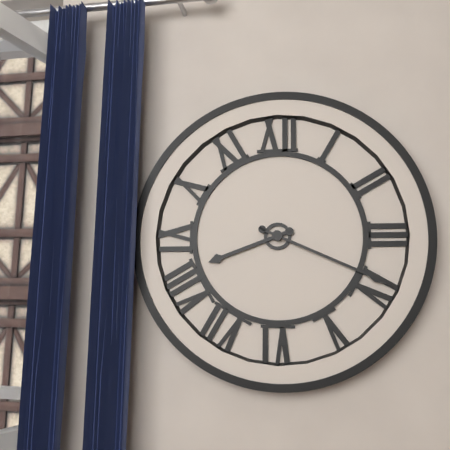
8.19
